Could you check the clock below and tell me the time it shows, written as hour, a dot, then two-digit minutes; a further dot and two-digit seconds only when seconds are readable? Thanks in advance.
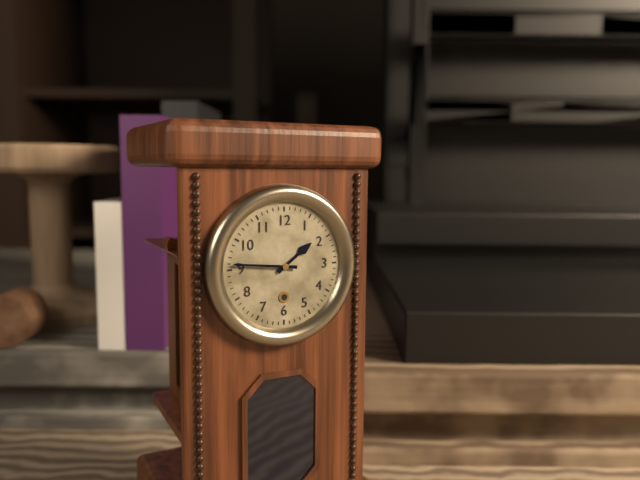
1.46
